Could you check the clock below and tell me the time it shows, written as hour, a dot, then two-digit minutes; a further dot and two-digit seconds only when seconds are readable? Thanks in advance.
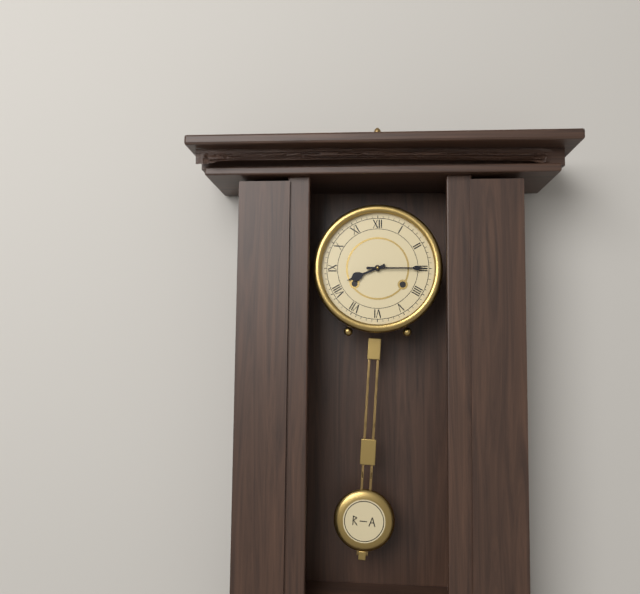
8.15
